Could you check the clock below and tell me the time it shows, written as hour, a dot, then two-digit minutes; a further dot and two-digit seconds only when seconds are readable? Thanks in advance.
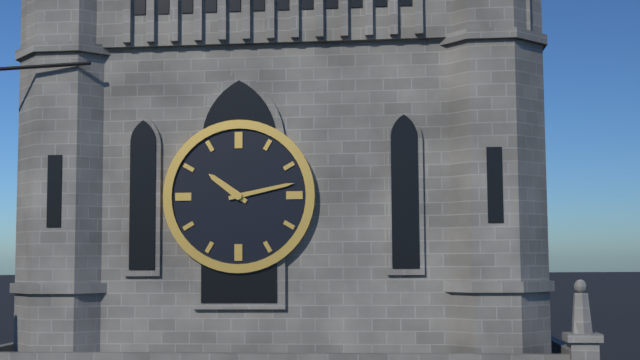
10.13
